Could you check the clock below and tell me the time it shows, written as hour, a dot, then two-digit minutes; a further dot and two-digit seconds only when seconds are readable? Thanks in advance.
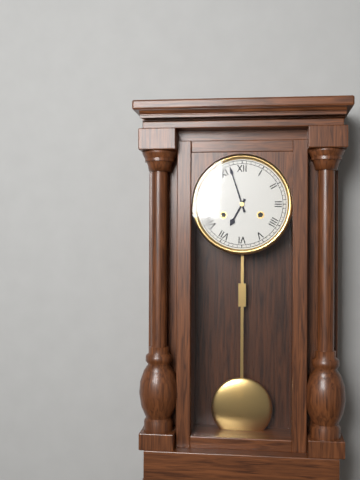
6.57
